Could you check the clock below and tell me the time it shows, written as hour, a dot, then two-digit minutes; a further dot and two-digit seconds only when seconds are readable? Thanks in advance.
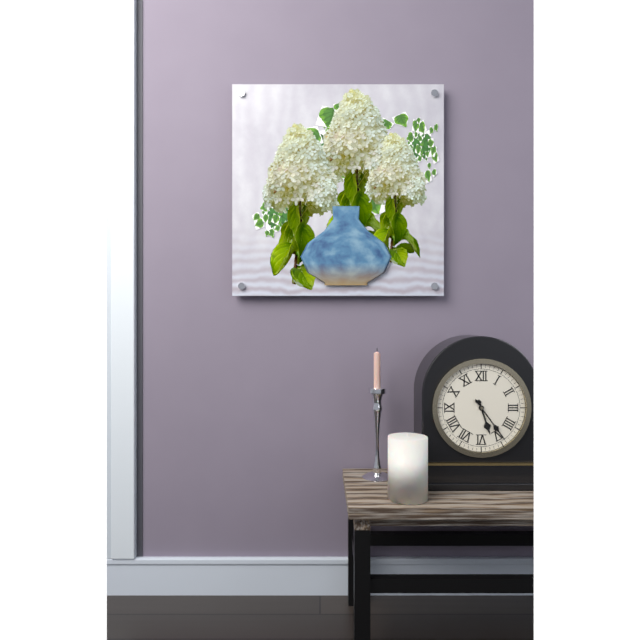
5.24
